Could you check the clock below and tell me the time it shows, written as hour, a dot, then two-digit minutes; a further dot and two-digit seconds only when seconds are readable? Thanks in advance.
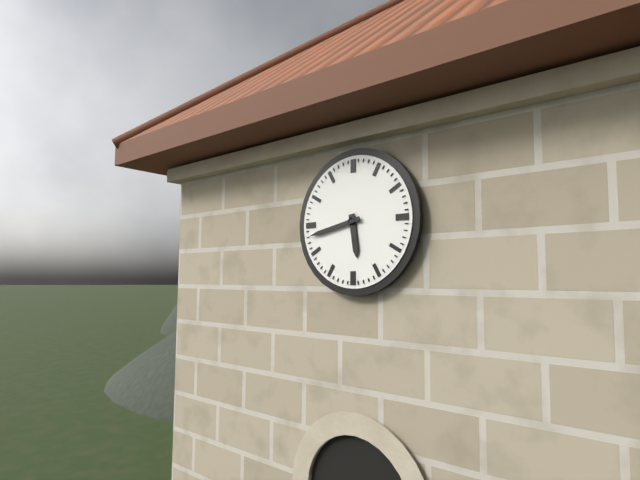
5.43
